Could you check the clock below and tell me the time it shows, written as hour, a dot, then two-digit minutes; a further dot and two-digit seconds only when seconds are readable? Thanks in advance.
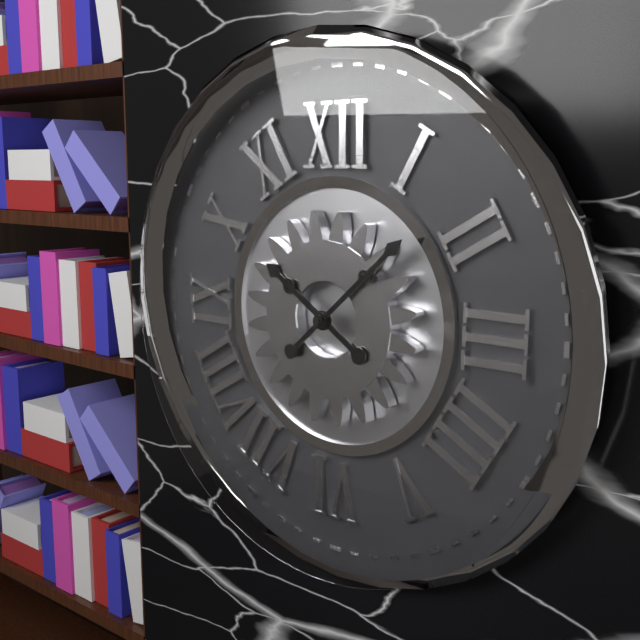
10.08
